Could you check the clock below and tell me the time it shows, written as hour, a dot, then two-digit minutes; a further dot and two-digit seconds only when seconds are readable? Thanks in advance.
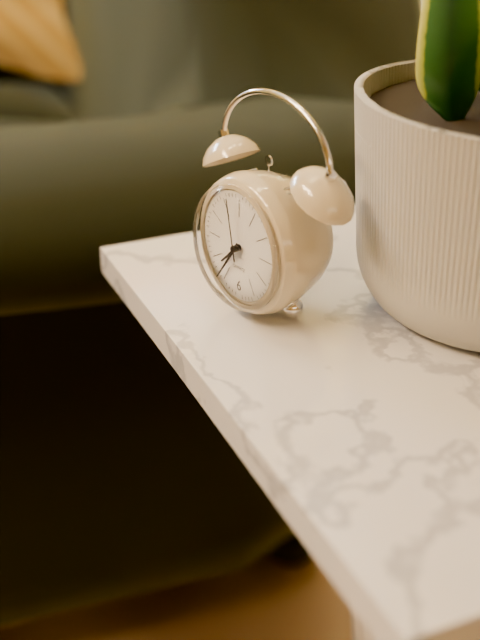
7.36.58
